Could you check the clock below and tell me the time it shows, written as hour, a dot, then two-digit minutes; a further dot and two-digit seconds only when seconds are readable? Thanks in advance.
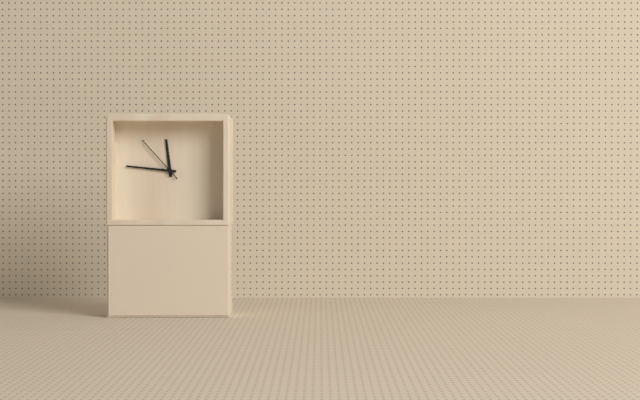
11.46.53
